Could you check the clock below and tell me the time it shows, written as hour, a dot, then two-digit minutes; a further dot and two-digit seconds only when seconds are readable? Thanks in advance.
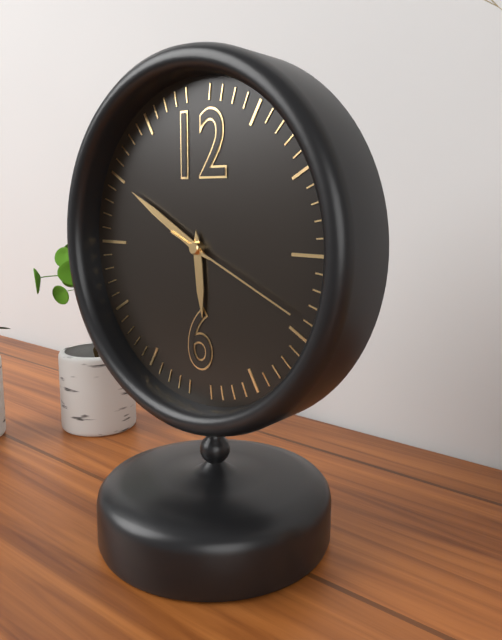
5.50.19
